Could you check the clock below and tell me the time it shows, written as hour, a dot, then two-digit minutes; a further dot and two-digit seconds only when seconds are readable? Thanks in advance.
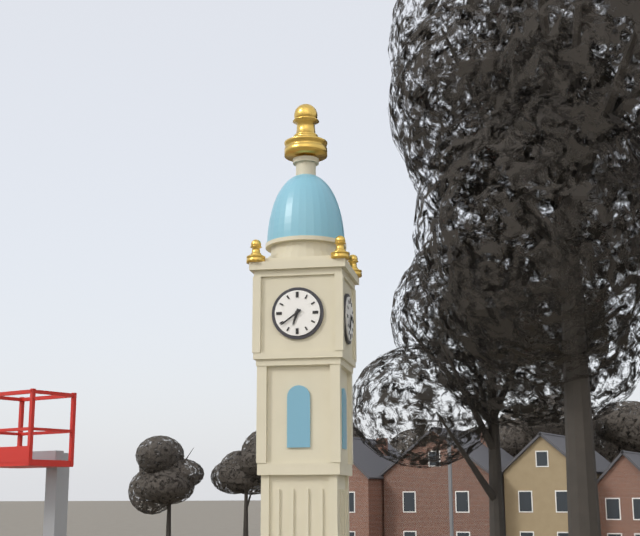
6.39
